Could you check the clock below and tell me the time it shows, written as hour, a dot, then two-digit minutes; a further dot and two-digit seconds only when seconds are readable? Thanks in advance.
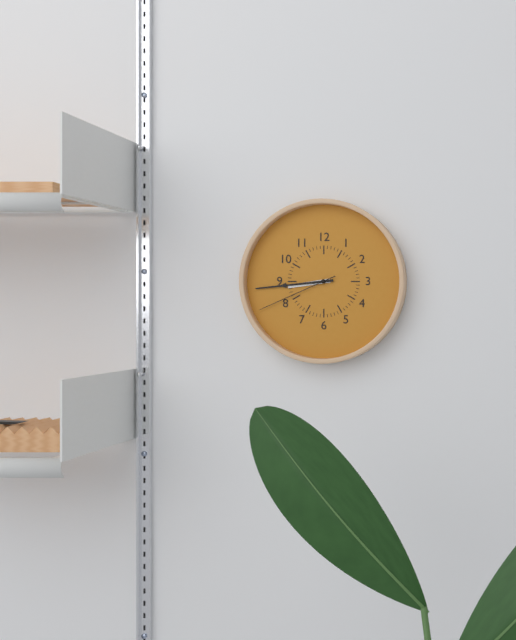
8.44.41
